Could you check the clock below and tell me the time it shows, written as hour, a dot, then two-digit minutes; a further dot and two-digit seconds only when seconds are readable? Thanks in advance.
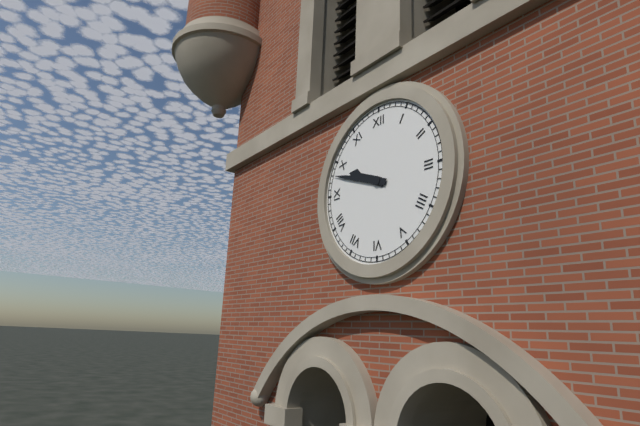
9.48
